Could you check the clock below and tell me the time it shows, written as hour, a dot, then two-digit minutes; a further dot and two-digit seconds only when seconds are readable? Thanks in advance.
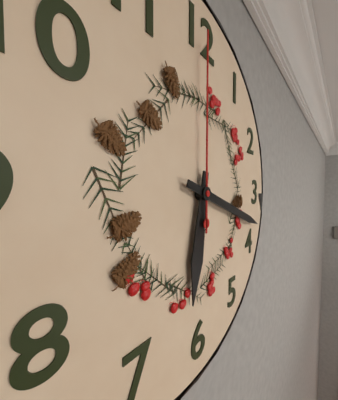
6.18.00
